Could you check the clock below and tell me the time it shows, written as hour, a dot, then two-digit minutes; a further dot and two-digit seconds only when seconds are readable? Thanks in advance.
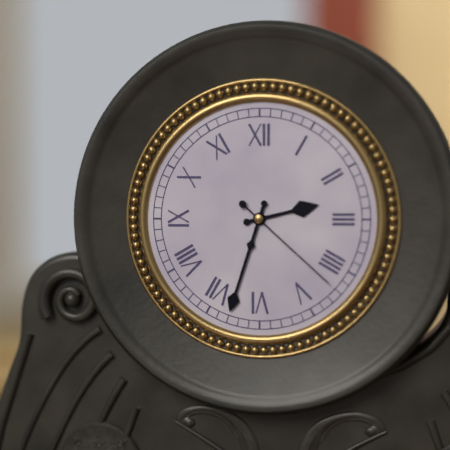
2.33.22
